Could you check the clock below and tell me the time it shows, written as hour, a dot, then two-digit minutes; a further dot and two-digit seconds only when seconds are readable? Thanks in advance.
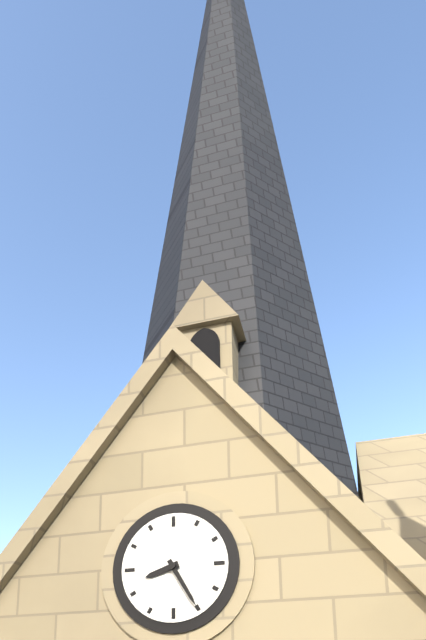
8.25
